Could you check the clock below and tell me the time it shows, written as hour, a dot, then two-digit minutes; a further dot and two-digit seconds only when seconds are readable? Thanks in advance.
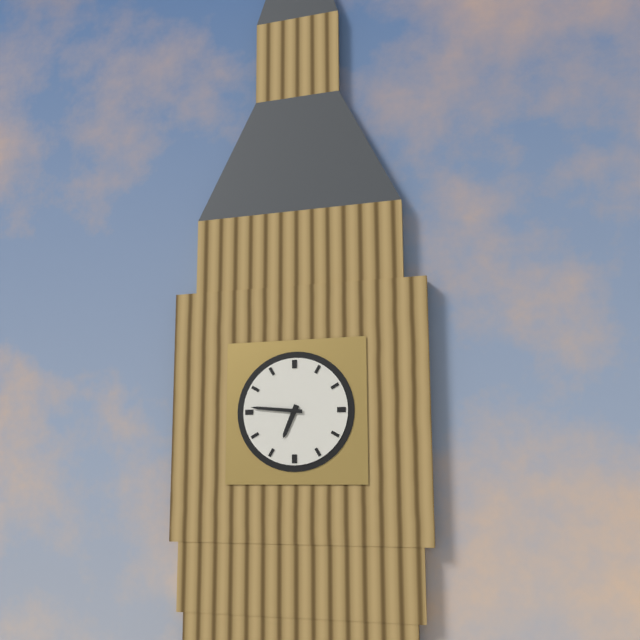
6.46
